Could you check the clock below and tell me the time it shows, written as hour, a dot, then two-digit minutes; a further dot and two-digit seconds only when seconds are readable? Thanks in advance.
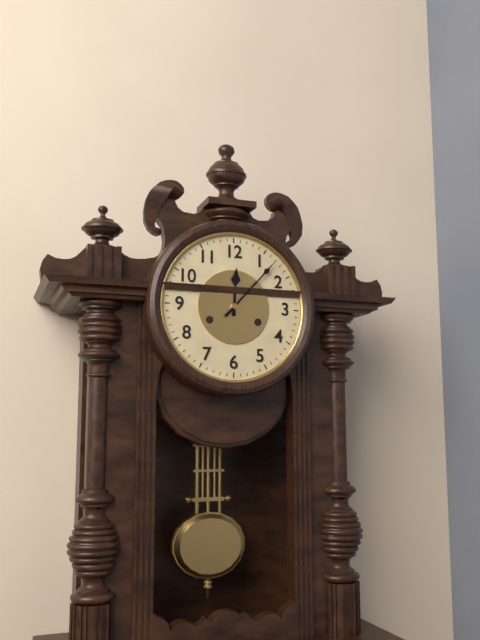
12.07
